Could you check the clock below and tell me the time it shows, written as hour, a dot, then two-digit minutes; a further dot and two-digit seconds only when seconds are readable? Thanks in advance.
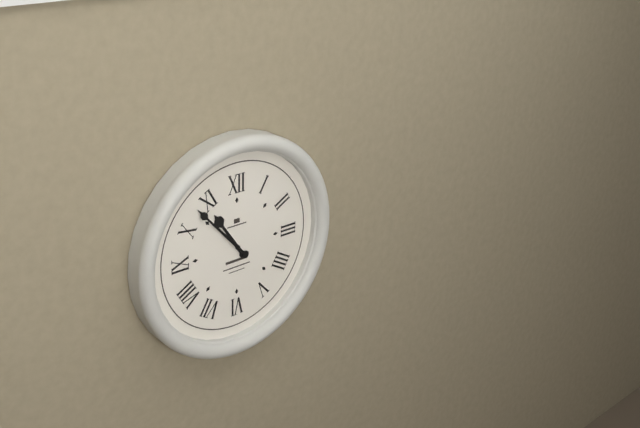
10.53
